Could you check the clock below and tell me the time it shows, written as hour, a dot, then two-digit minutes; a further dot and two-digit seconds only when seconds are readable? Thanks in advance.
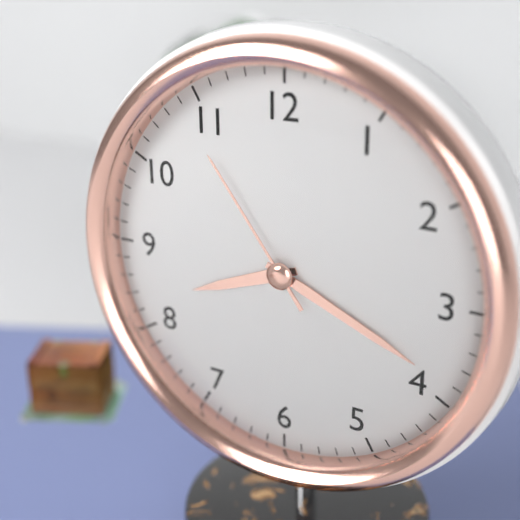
8.19.54
